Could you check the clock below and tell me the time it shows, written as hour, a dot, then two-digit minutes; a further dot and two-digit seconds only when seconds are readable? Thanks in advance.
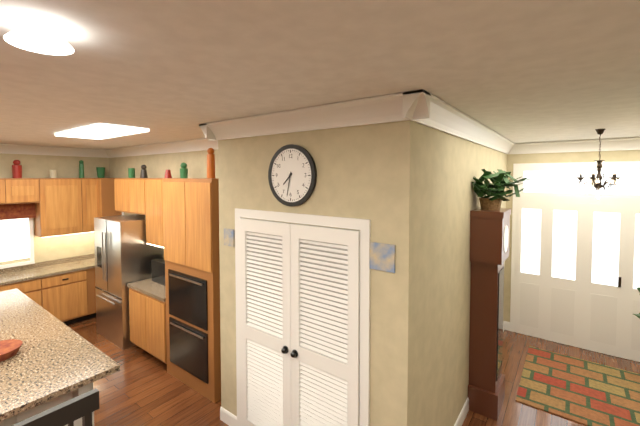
7.32
